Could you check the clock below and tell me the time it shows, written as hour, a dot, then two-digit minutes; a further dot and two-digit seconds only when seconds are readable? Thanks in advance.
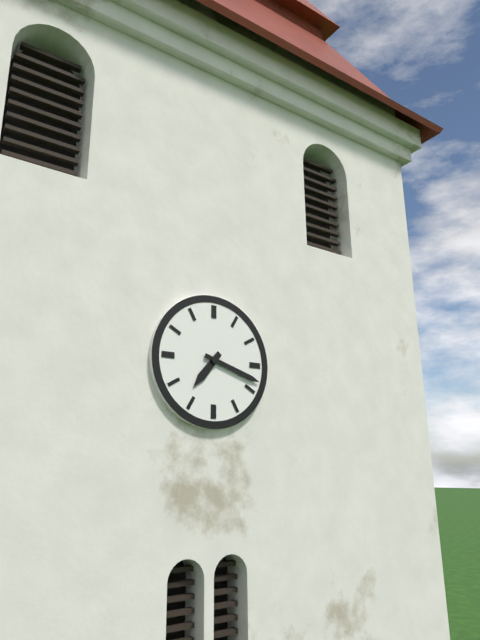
7.18
